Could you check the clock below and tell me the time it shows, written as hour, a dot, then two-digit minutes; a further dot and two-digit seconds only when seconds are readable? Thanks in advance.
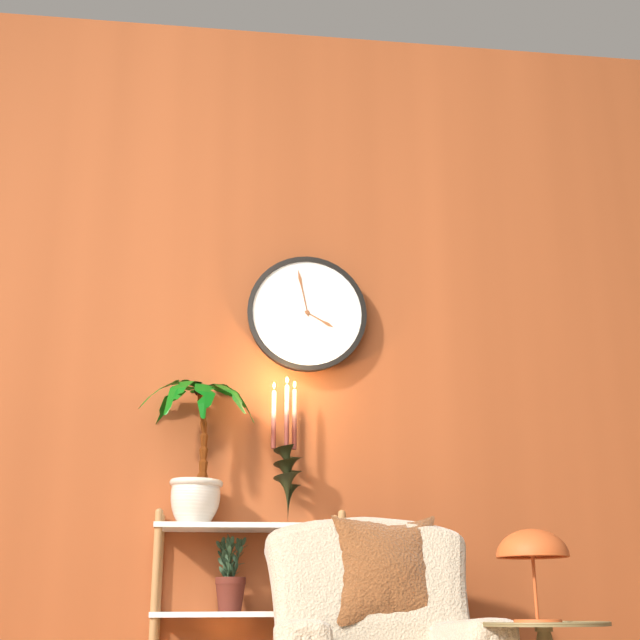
3.58
